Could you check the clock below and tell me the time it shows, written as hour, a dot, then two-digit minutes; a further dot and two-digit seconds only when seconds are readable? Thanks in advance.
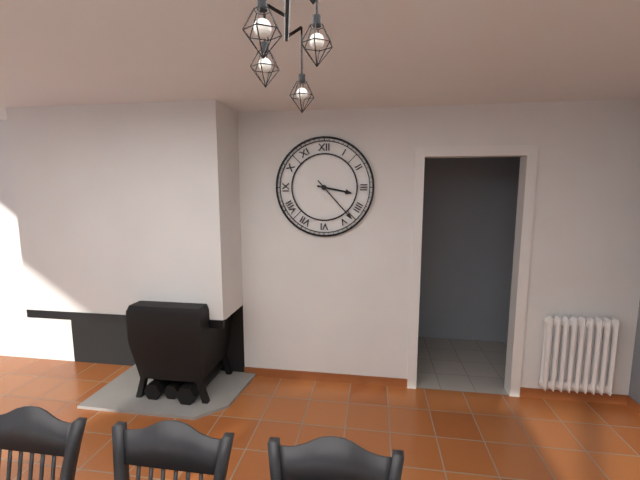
3.23
